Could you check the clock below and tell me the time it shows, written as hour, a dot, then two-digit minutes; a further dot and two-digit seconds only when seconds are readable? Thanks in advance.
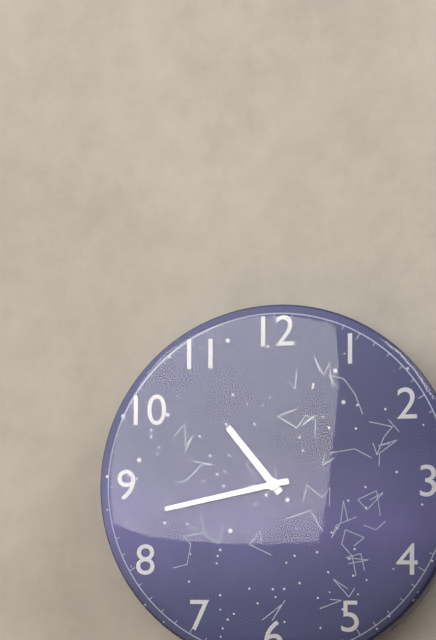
10.43
